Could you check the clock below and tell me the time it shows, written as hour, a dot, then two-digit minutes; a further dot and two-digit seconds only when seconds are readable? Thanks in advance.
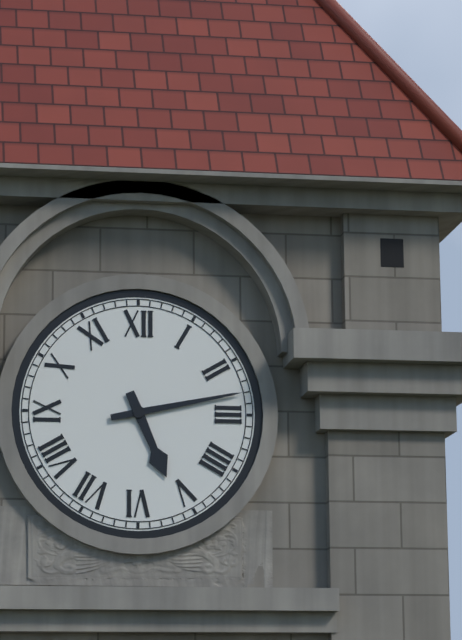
5.13
